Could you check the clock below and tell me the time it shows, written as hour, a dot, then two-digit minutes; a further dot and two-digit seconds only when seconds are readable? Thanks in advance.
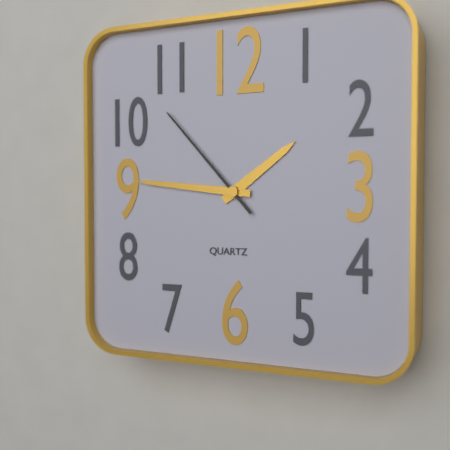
1.46.53
